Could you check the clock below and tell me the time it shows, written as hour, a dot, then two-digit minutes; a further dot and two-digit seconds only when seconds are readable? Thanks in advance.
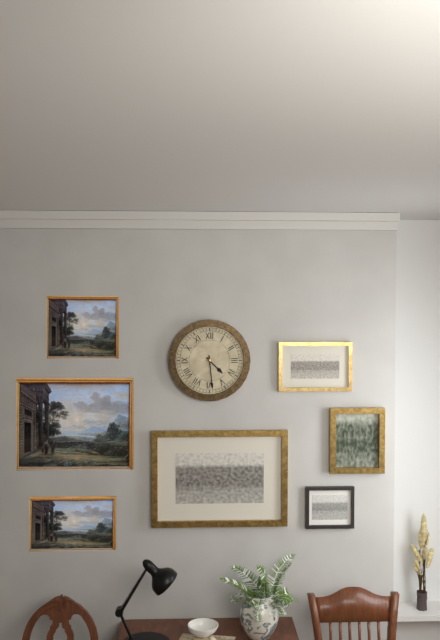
4.29
